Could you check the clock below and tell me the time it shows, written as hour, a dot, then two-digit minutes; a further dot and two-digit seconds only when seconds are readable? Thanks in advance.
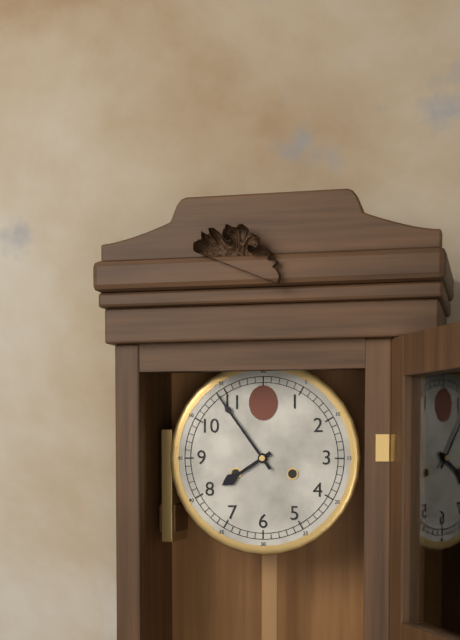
7.54
